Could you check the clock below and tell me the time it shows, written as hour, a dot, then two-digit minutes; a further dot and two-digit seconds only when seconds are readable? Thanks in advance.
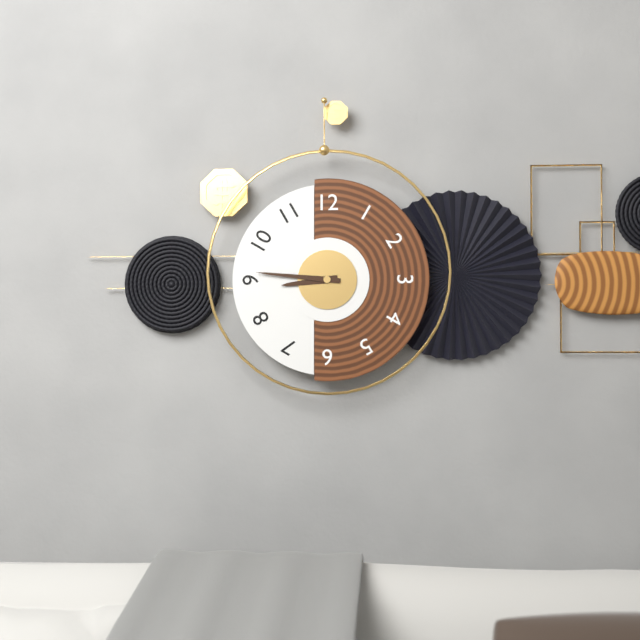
8.46
